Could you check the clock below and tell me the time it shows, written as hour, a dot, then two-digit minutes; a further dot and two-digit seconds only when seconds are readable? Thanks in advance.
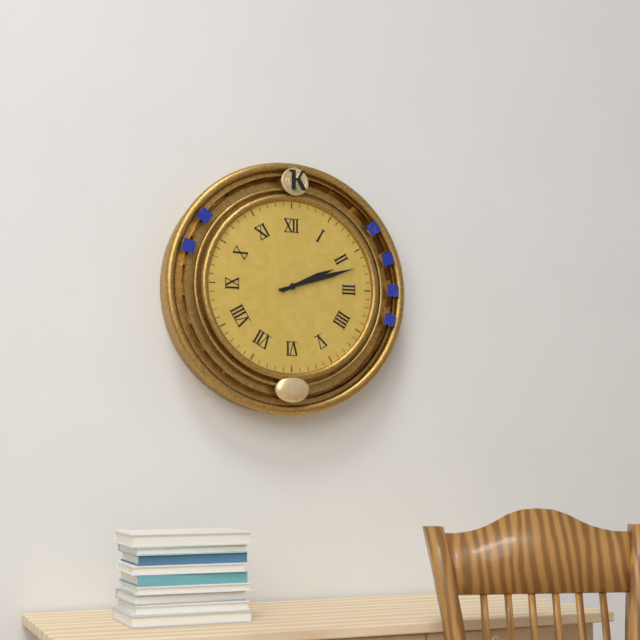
2.12
